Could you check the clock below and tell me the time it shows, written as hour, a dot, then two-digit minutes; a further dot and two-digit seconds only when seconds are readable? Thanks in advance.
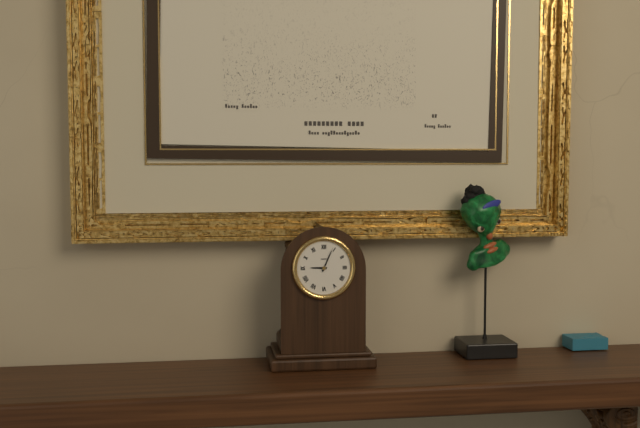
9.04
